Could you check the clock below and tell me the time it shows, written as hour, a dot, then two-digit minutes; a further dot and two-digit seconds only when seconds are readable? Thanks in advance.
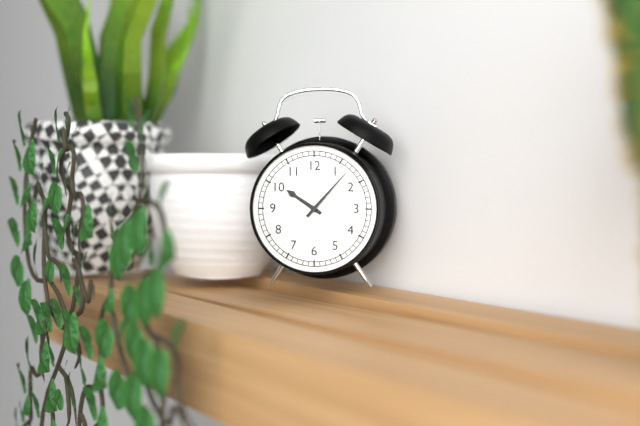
10.07
